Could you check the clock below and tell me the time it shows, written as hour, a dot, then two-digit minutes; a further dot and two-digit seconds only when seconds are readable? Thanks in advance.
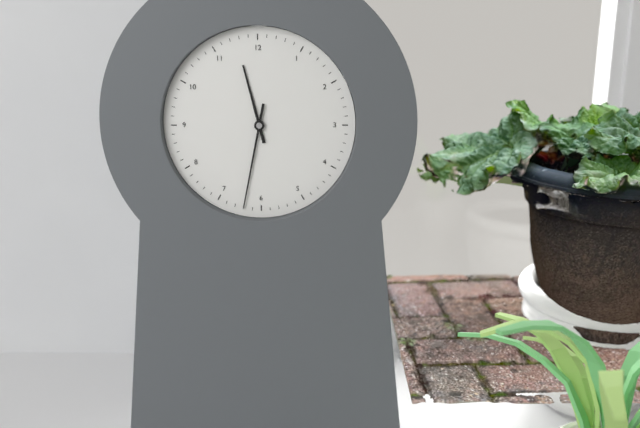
11.32
